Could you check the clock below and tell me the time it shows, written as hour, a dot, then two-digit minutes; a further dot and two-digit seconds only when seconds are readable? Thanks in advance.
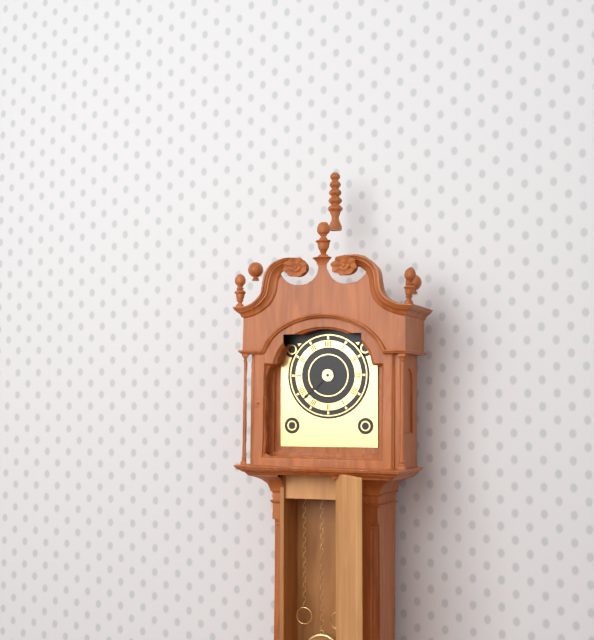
7.38
